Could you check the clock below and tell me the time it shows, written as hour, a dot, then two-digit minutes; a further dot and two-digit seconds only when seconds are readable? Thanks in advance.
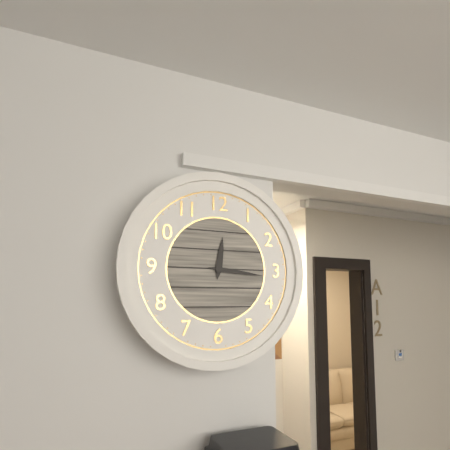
12.16
